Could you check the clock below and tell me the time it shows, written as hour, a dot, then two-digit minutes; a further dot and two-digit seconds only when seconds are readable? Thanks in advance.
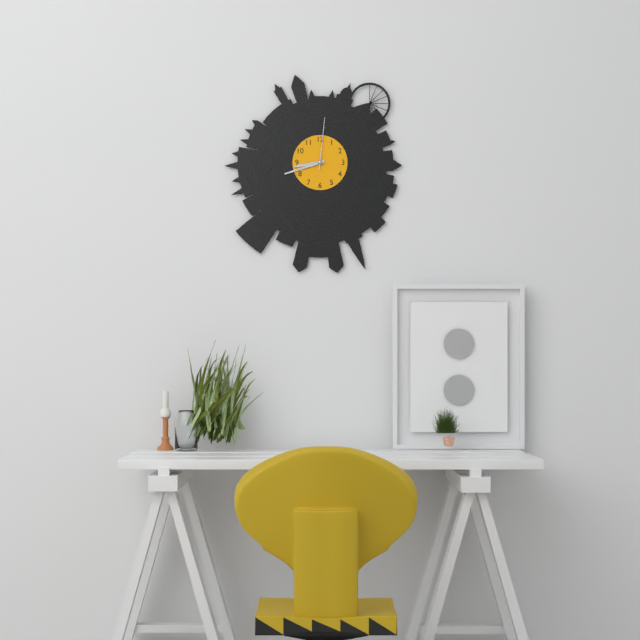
8.42.01
